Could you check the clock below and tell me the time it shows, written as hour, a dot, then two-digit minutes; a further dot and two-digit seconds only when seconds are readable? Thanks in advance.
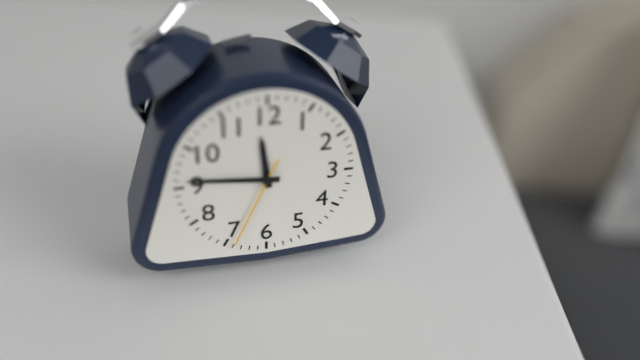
11.46.34
